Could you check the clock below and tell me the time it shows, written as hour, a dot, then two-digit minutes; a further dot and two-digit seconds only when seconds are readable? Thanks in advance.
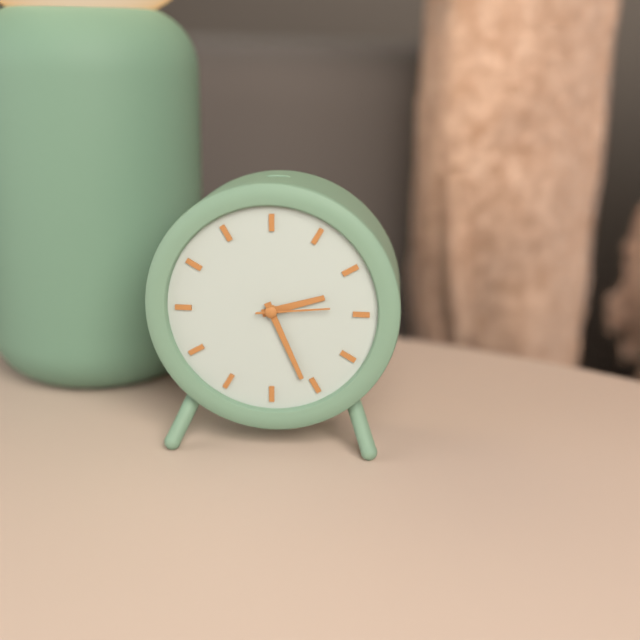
2.26.14
